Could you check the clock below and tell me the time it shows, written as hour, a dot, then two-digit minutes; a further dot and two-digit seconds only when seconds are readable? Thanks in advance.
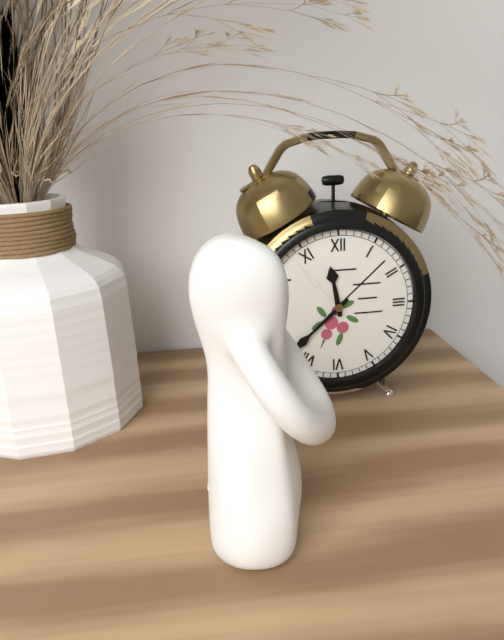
11.38
